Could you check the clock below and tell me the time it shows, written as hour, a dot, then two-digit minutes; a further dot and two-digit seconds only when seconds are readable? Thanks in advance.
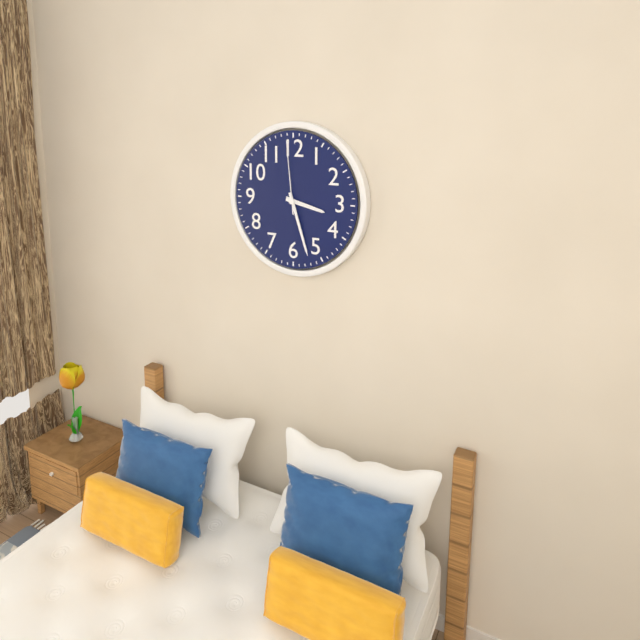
3.27.59
